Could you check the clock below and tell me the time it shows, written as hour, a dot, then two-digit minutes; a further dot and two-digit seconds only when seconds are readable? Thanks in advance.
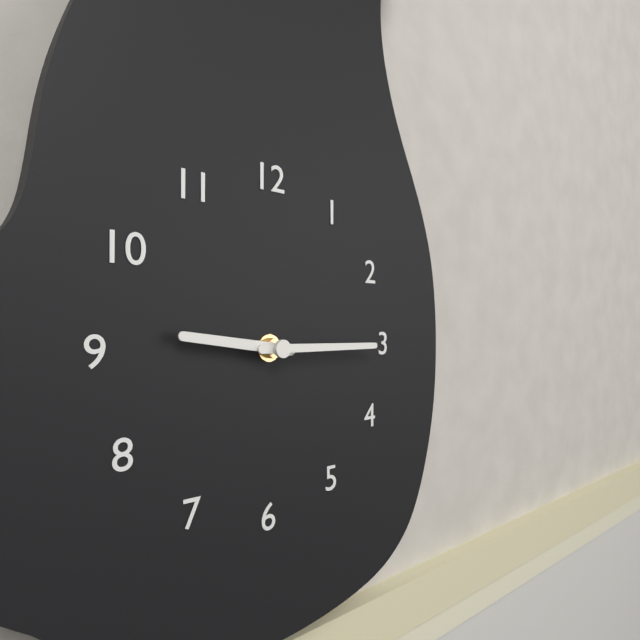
9.15
